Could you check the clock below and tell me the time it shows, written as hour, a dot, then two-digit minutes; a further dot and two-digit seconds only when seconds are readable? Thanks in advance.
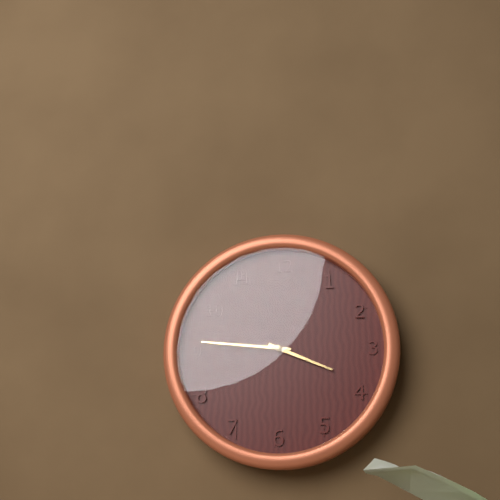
3.46
